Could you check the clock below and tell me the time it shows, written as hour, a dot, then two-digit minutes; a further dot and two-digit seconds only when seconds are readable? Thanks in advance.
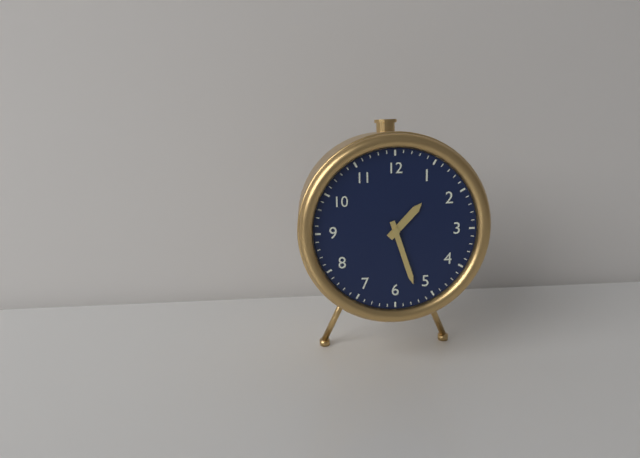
1.27
